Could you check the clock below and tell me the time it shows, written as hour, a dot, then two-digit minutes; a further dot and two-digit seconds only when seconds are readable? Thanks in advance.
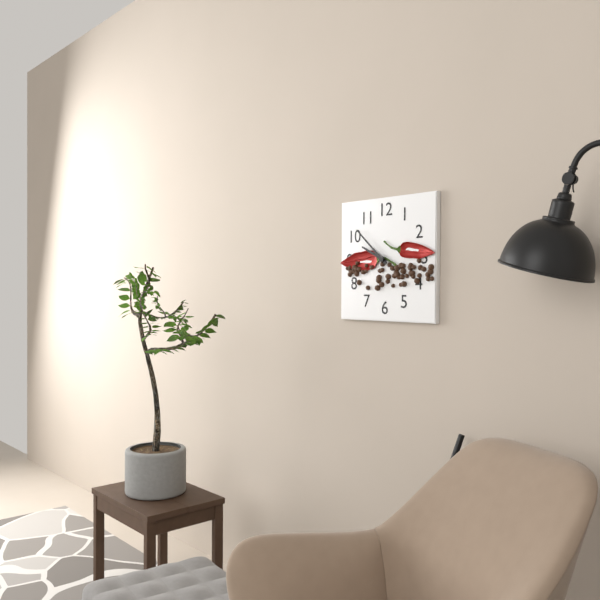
9.52
